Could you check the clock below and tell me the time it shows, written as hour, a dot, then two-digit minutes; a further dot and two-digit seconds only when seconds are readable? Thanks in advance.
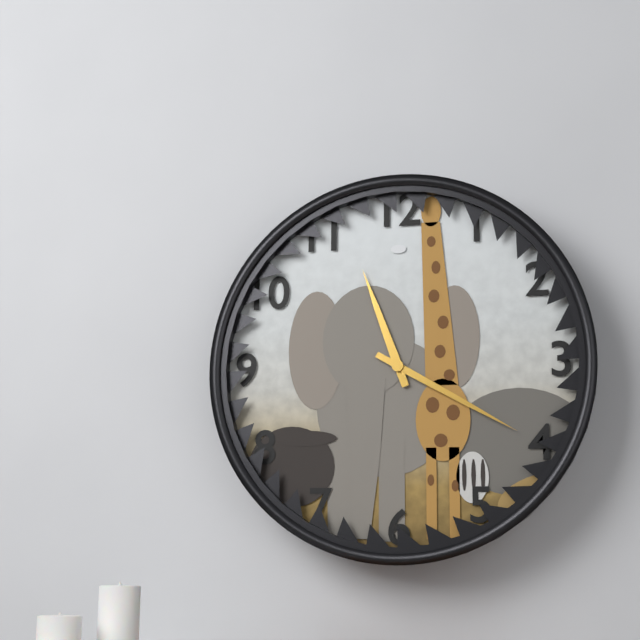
11.20
